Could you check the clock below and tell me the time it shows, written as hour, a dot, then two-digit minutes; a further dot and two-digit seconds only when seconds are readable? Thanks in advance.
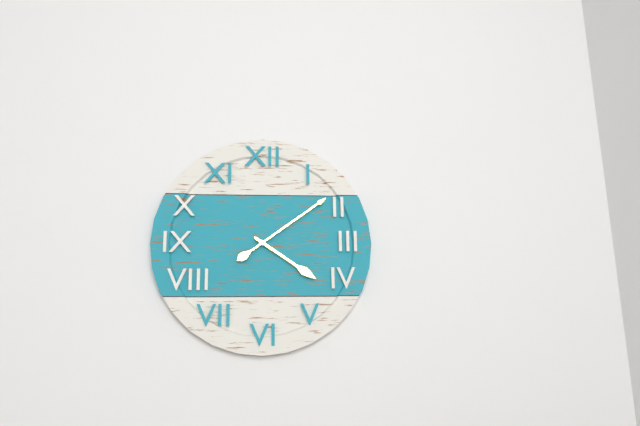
4.09
